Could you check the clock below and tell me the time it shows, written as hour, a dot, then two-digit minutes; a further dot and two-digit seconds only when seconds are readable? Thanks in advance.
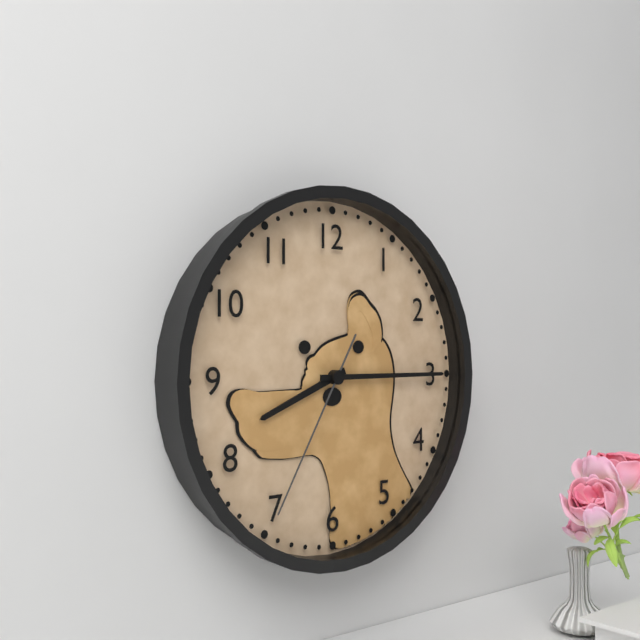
8.15.35
